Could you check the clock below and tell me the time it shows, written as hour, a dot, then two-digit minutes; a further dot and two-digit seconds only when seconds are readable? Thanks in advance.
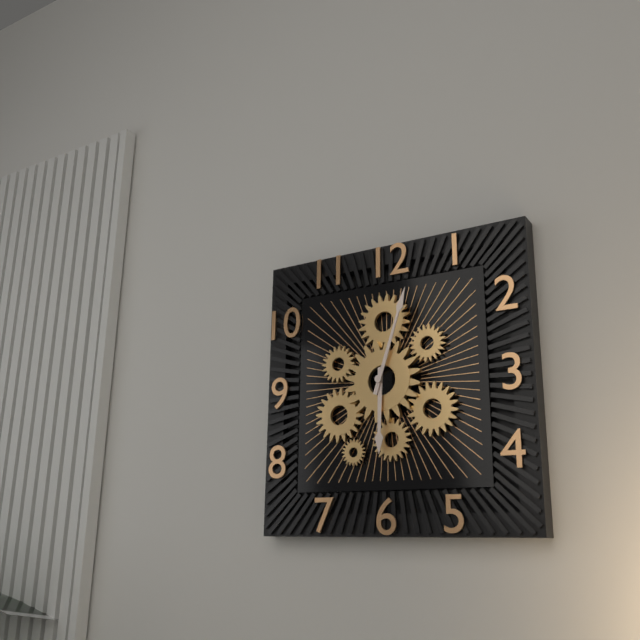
6.03
